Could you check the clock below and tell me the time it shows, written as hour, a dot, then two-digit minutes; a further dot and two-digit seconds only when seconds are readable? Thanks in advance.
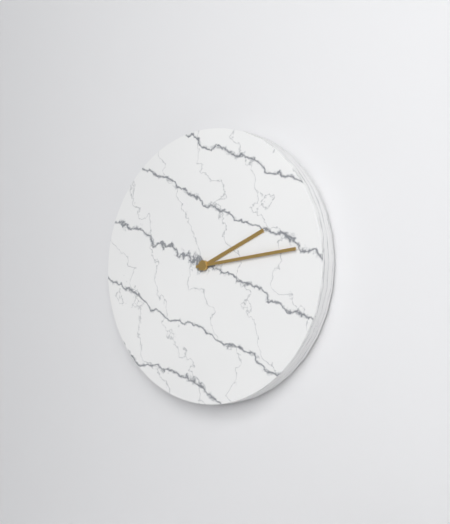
2.14
